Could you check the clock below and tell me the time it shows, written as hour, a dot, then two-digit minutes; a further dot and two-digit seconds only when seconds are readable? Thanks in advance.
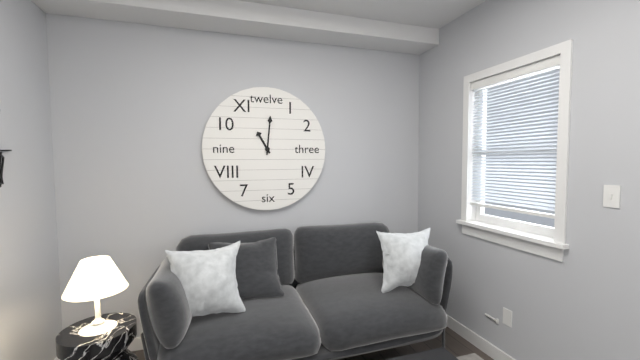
11.01
